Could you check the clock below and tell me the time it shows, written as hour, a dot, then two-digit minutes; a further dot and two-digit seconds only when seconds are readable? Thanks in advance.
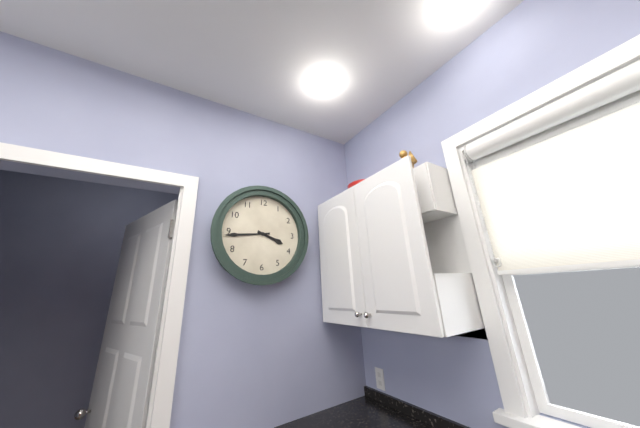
3.44
